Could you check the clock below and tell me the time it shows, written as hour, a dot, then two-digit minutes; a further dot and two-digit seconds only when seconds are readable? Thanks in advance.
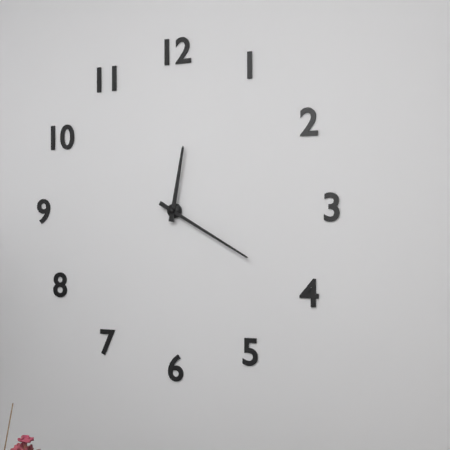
12.20
